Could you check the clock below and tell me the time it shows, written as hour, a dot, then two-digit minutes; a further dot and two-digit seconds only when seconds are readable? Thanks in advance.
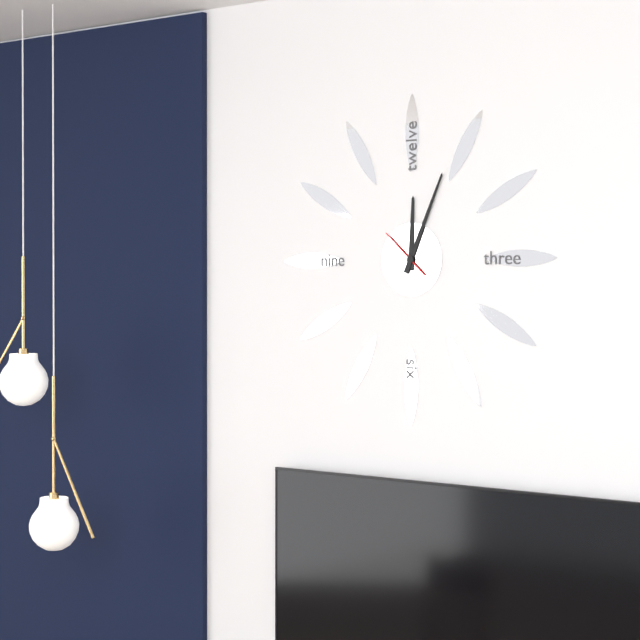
12.04
